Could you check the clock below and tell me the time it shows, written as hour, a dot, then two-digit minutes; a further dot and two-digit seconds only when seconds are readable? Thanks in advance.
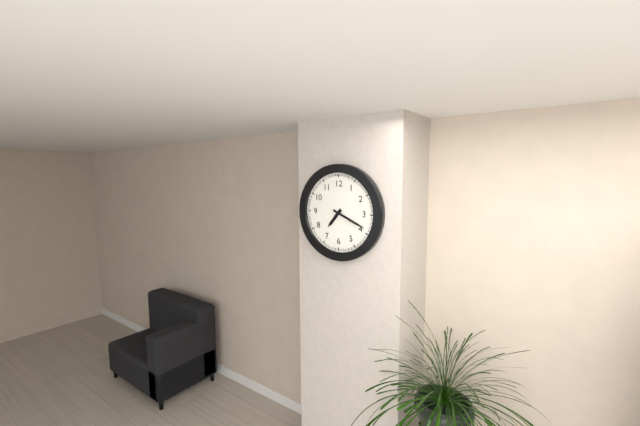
7.19
